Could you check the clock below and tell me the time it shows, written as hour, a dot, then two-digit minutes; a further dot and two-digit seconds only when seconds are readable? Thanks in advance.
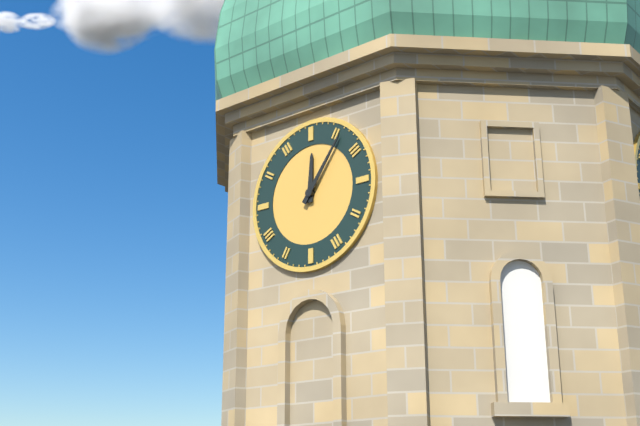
12.06
